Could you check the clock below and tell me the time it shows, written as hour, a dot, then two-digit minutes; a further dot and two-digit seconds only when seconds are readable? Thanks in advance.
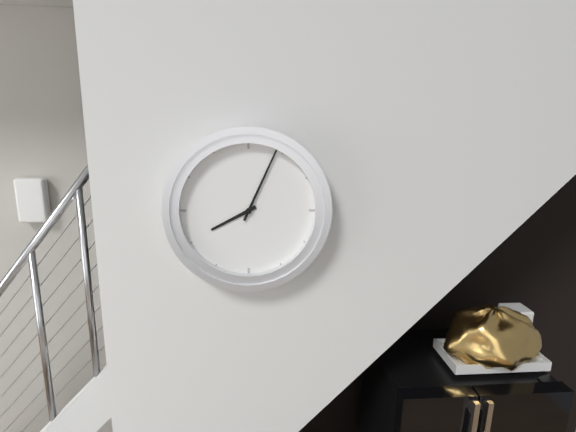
8.04
